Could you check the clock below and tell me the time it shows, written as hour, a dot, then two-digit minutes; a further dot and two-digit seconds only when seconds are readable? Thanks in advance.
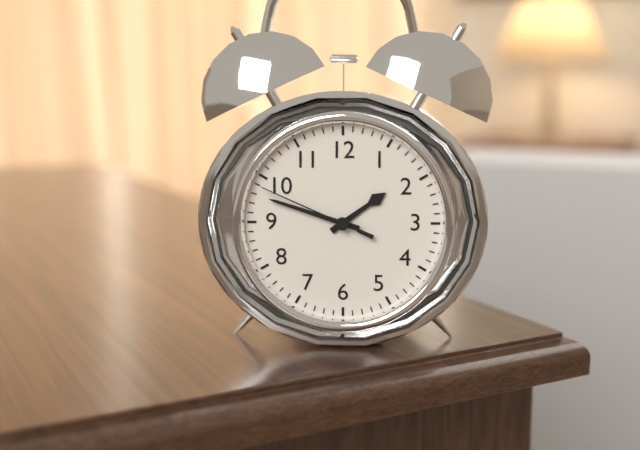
1.48.49
